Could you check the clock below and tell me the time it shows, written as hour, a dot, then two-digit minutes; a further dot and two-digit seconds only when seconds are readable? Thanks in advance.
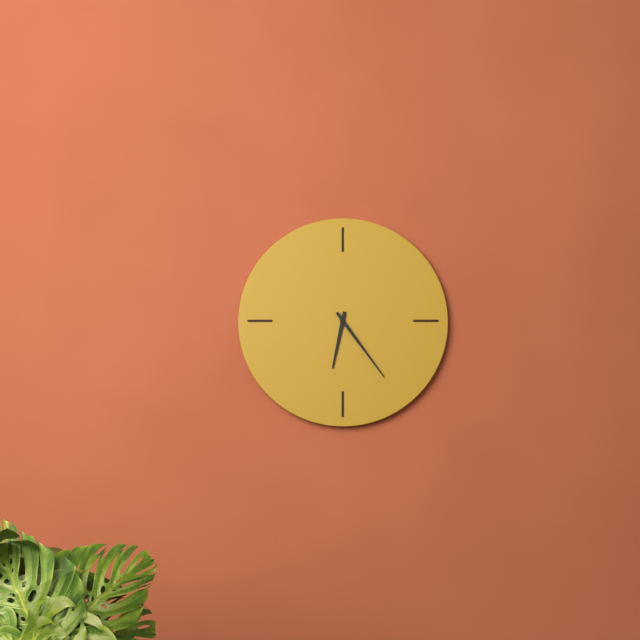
6.24
